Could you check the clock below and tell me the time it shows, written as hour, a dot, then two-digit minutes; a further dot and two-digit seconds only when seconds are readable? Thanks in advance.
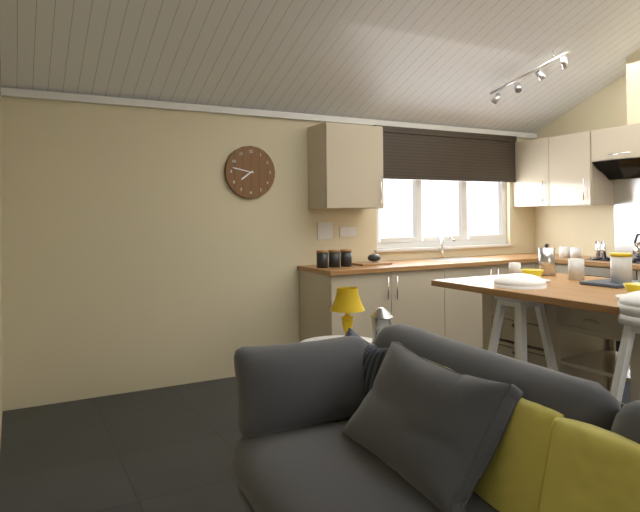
7.47
